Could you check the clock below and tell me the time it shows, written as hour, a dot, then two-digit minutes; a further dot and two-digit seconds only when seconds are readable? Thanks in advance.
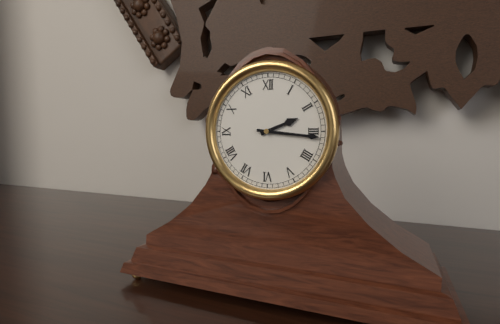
2.16
